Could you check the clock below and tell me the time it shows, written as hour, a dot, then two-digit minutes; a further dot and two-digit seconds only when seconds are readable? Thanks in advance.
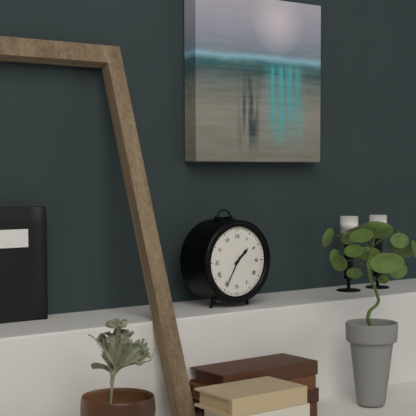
1.35
